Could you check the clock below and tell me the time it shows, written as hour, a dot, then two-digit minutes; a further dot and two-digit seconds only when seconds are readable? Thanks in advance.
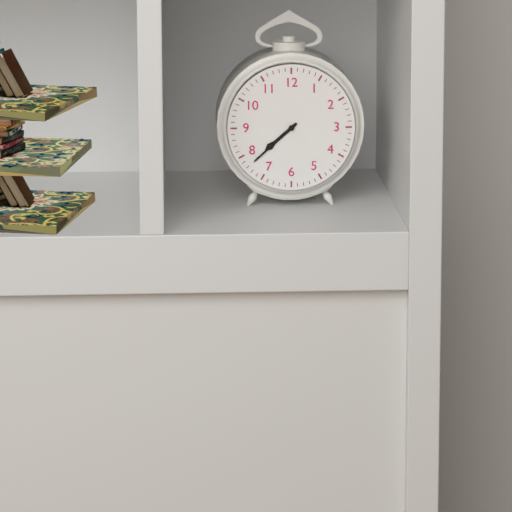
7.38
